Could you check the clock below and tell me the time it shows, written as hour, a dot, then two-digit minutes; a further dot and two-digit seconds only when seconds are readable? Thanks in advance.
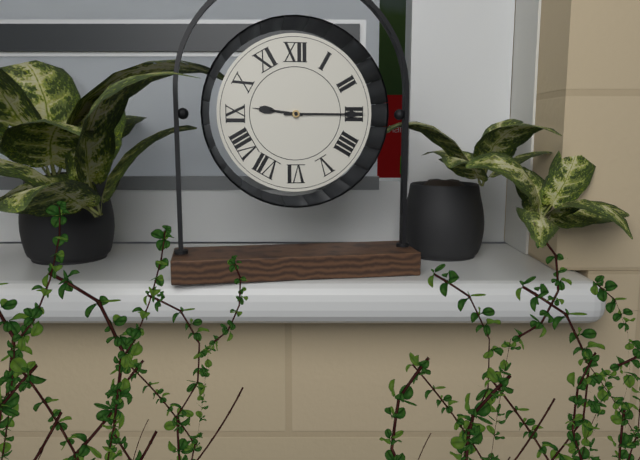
9.15
